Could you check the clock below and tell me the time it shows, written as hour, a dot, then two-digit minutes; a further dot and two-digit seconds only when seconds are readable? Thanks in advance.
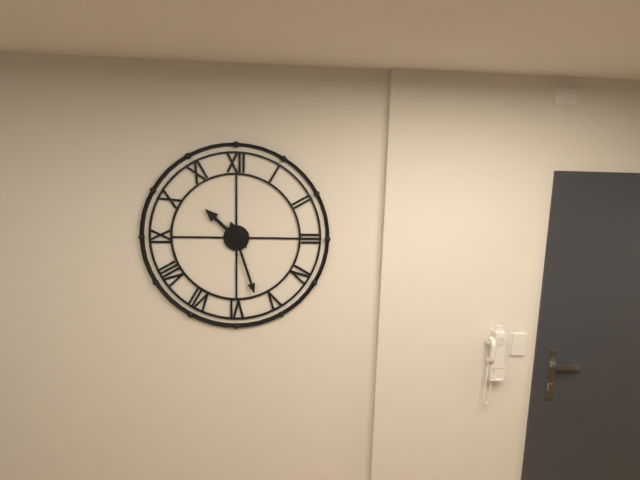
10.27
